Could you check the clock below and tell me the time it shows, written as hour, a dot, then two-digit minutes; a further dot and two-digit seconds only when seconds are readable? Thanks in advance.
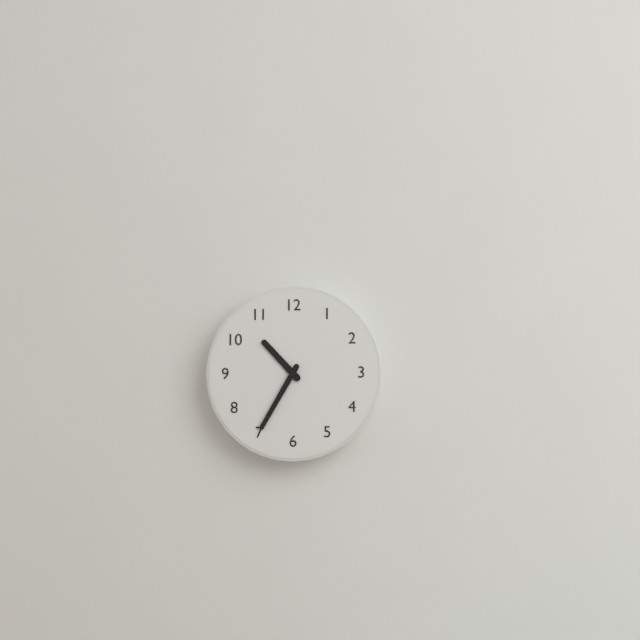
10.35
